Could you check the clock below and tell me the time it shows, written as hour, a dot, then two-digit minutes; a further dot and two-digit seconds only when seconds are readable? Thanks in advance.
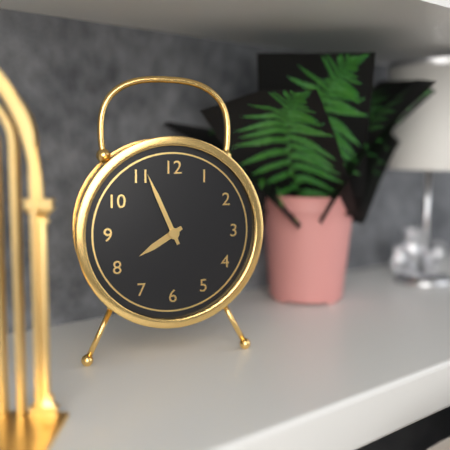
7.56
